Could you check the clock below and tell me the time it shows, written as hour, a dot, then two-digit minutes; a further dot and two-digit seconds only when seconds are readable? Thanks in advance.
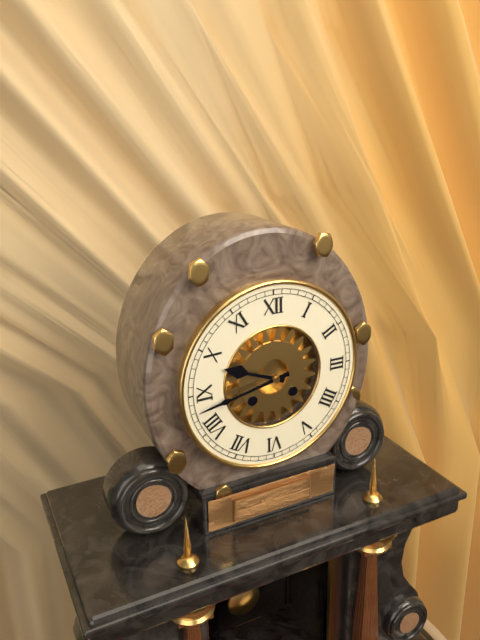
9.43
